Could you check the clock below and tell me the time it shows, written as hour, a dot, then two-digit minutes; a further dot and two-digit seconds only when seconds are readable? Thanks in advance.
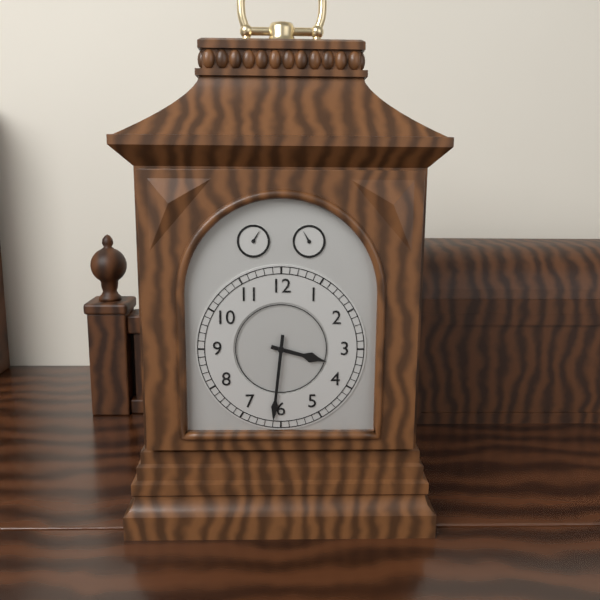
3.31
